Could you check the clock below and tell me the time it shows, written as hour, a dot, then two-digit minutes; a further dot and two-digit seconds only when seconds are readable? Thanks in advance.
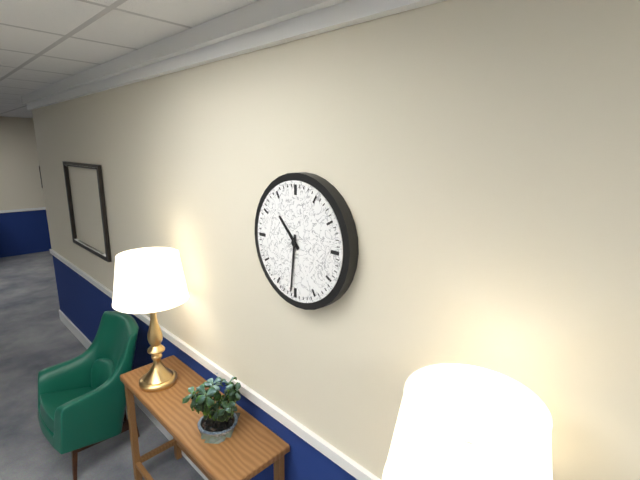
10.31
